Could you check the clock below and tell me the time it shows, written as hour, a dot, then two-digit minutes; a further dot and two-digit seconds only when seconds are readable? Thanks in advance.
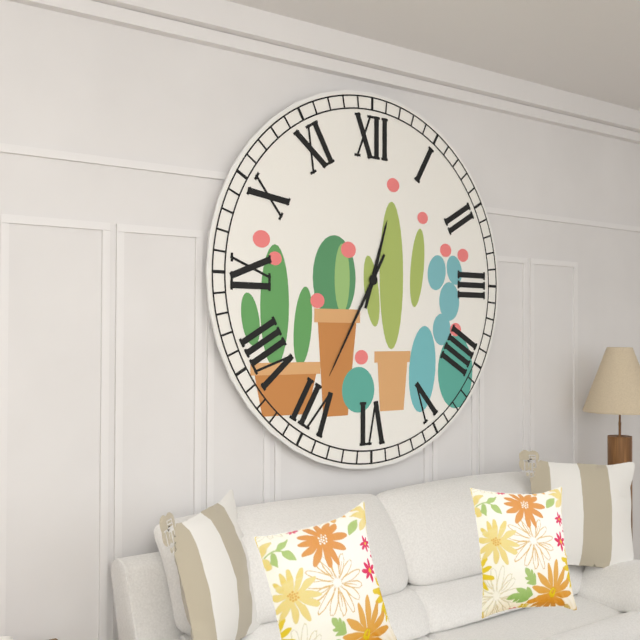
12.35
